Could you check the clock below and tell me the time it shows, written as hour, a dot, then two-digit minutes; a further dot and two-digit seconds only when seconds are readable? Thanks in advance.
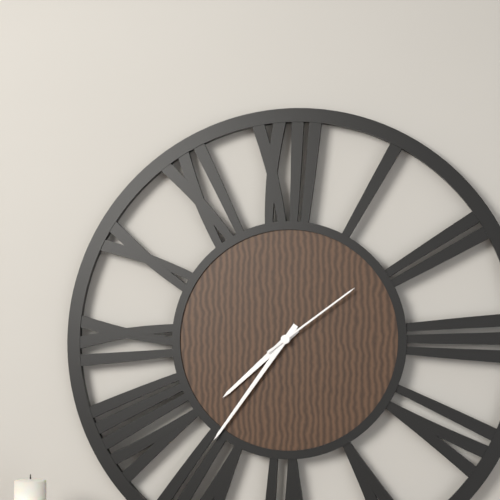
7.36.09
